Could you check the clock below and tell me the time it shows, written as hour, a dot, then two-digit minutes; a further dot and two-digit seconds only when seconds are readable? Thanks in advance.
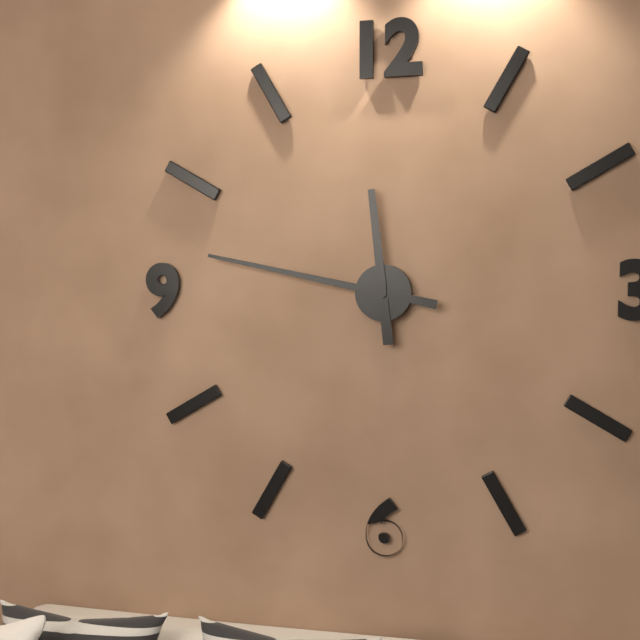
11.47
